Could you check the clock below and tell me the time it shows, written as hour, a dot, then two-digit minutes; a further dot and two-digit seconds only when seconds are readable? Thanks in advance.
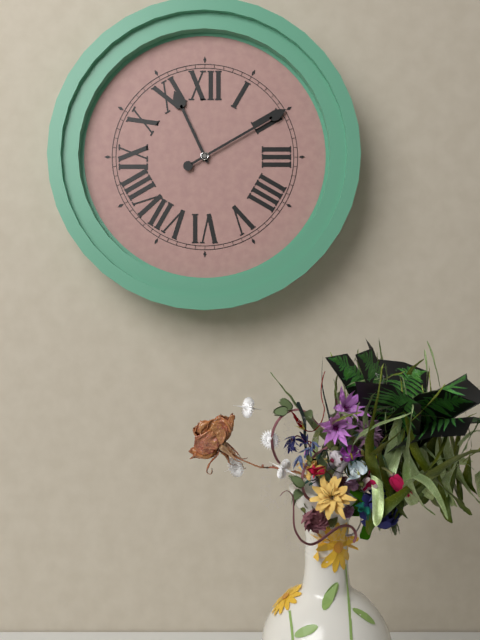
11.10
